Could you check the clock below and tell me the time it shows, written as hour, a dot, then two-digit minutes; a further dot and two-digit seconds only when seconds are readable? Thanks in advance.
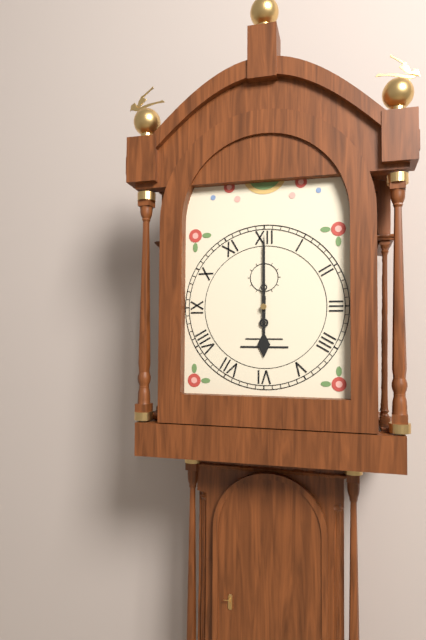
6.00
